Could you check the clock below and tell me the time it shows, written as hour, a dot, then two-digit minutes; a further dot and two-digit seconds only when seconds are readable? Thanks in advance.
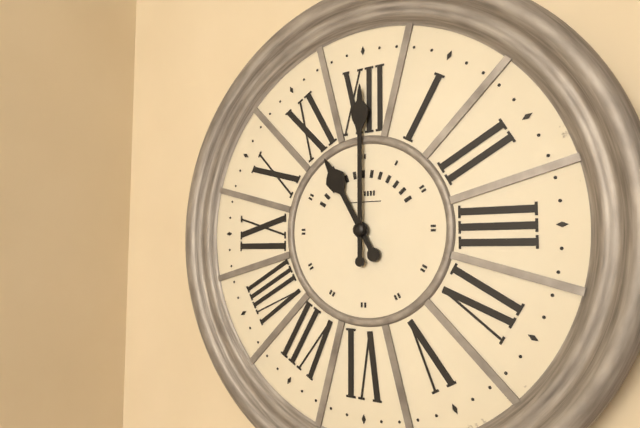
11.00
